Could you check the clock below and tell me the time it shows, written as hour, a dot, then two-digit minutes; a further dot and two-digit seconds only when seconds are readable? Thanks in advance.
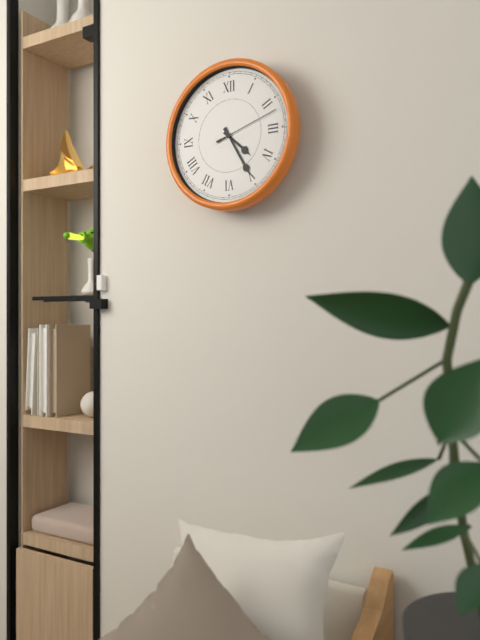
4.25.12
